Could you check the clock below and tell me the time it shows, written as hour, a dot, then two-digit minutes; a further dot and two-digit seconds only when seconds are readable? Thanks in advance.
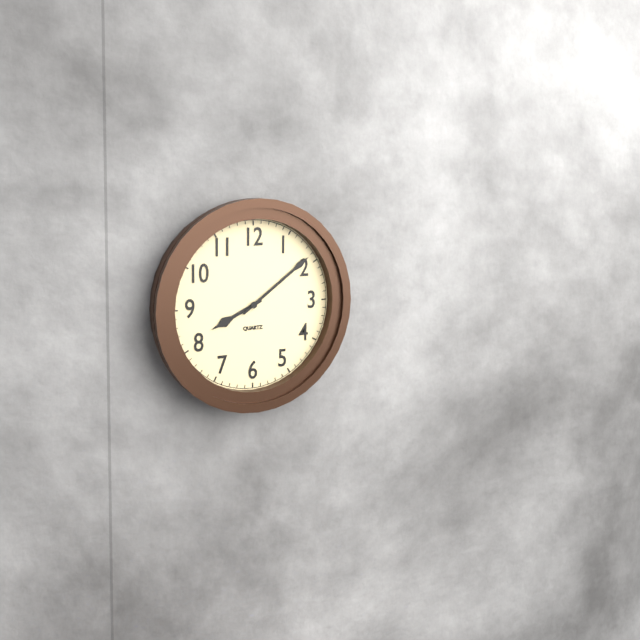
8.09
